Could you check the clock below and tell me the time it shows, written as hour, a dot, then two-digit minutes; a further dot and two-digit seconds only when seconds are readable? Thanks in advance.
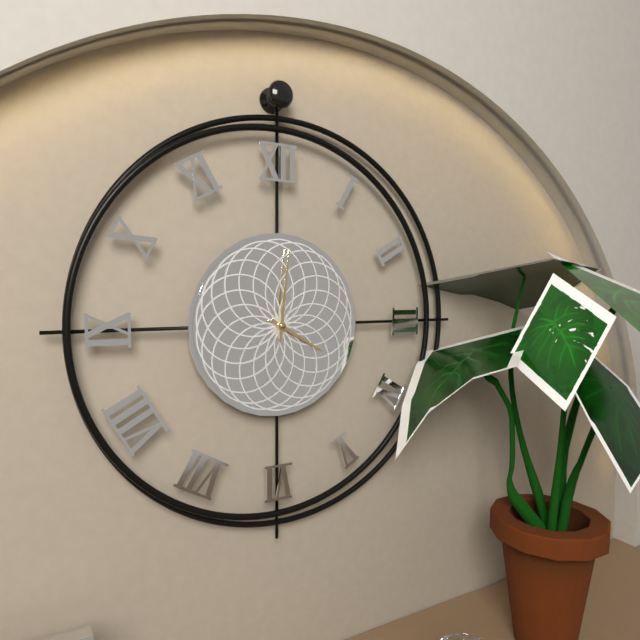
4.01
